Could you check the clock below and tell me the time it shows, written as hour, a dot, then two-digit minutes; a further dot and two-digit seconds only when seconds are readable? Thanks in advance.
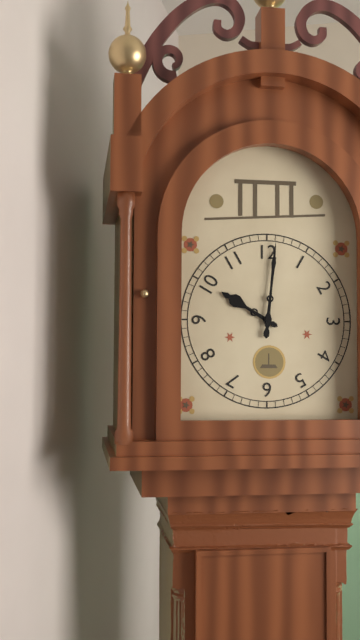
10.01
